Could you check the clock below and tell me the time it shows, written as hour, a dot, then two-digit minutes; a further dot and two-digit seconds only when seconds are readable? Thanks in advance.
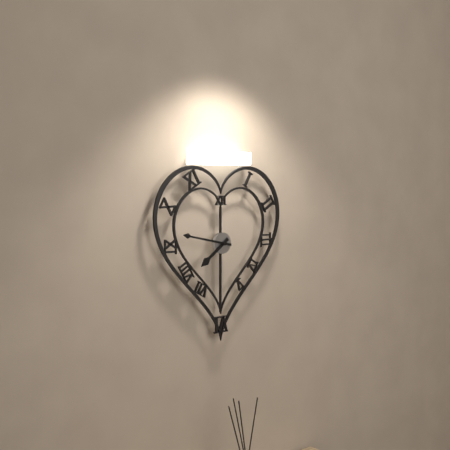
7.47
